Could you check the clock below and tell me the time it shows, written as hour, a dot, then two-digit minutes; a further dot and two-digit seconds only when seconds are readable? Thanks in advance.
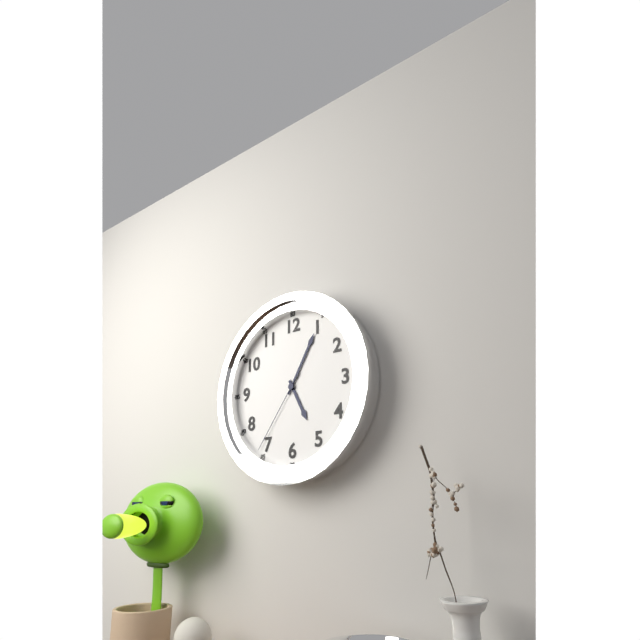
5.05.36
